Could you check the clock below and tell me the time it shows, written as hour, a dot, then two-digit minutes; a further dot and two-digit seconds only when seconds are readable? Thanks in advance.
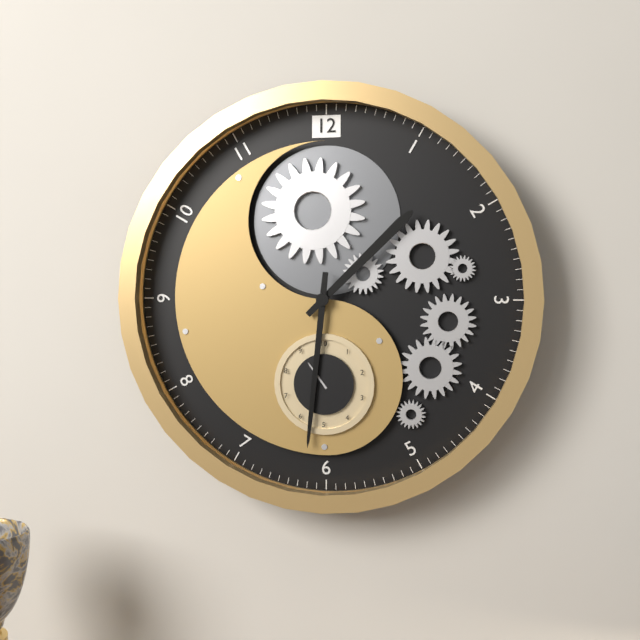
1.31
